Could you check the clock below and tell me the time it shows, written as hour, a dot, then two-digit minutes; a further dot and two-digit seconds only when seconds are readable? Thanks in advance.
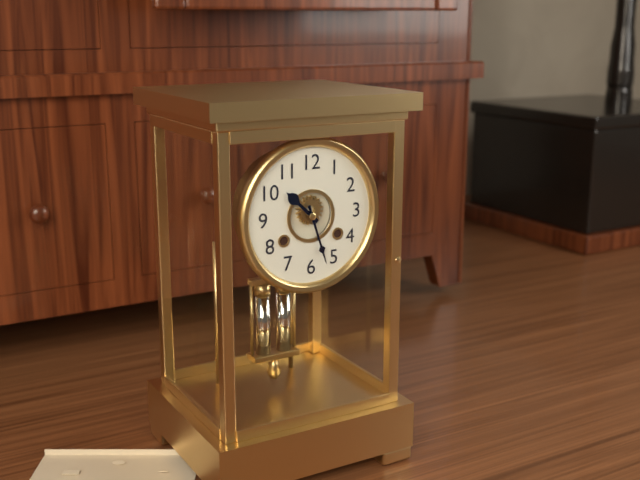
10.27
